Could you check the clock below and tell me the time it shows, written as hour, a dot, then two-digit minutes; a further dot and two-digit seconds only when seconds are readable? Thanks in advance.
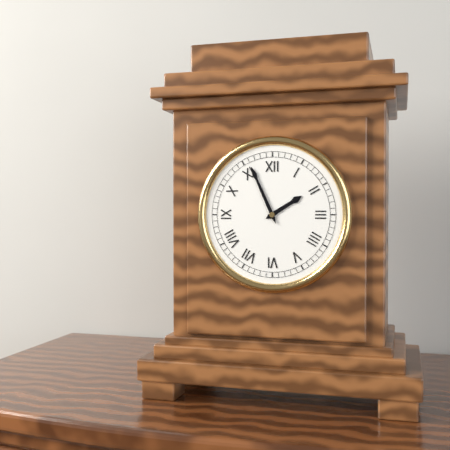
1.56
